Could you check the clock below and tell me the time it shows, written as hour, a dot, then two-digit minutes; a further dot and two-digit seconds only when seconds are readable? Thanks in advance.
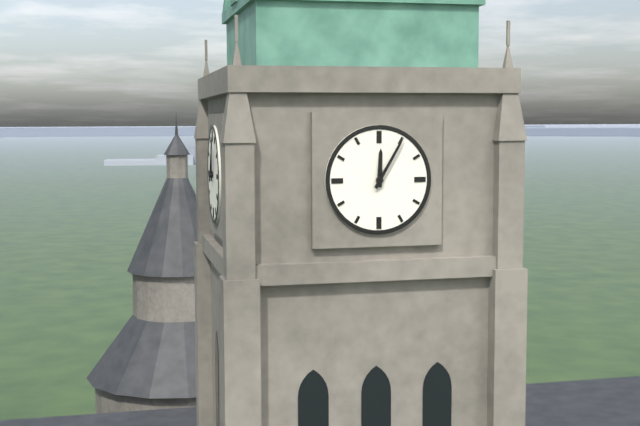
12.05
